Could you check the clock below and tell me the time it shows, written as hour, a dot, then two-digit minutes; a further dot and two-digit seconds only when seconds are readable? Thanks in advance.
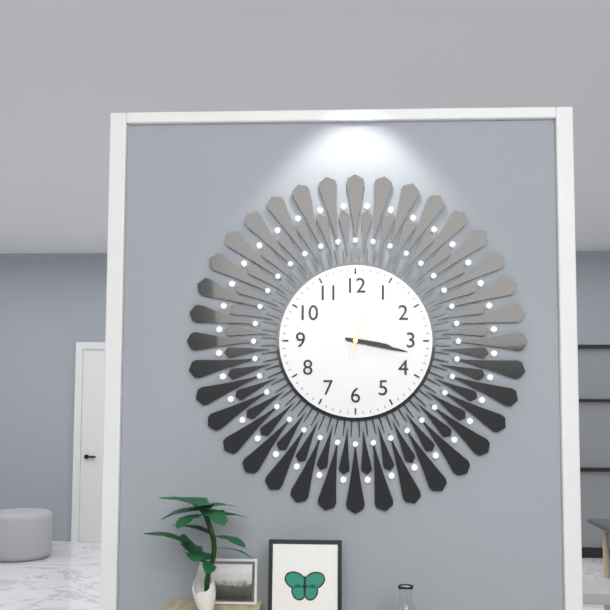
3.17.03
